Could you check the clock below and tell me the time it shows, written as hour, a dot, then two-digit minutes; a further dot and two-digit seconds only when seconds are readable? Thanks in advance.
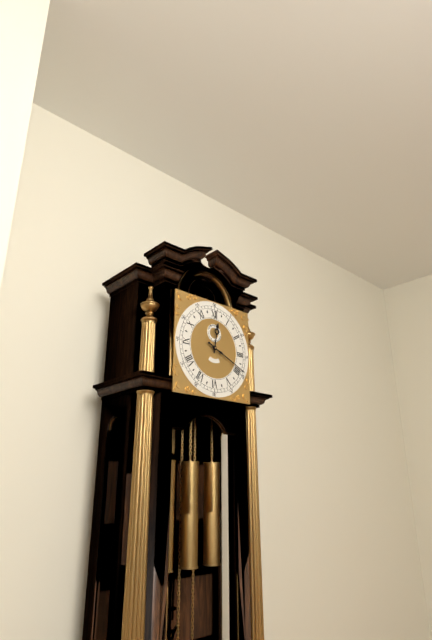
12.19
